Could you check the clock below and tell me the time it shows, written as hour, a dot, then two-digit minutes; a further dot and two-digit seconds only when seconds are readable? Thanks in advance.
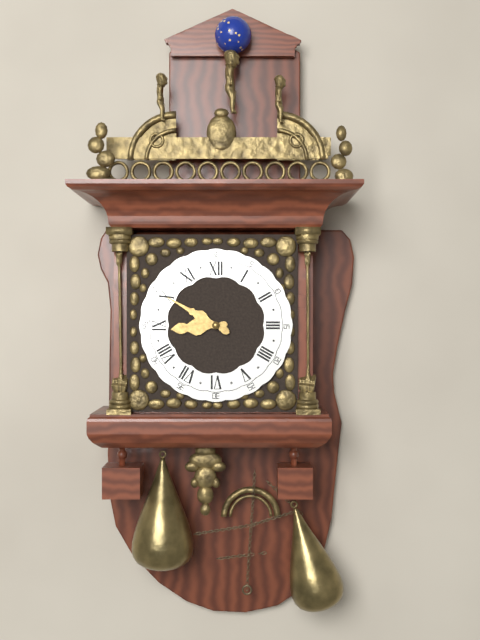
8.50
